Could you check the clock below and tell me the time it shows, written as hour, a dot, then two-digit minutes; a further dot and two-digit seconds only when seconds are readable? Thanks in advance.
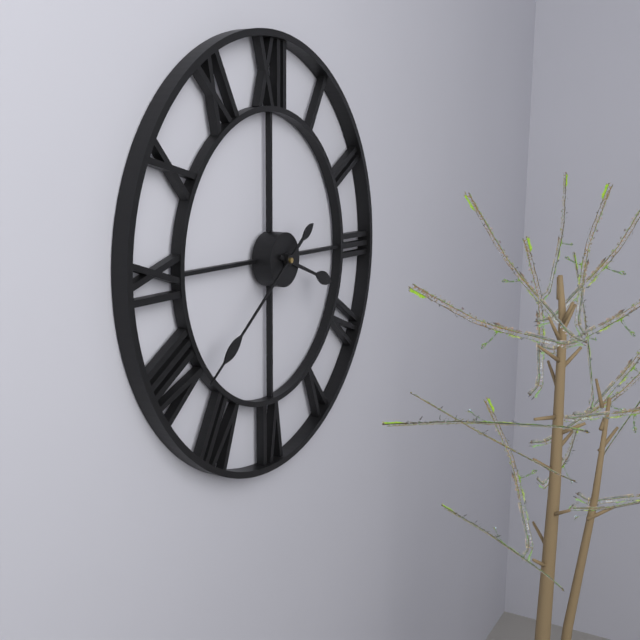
3.39
